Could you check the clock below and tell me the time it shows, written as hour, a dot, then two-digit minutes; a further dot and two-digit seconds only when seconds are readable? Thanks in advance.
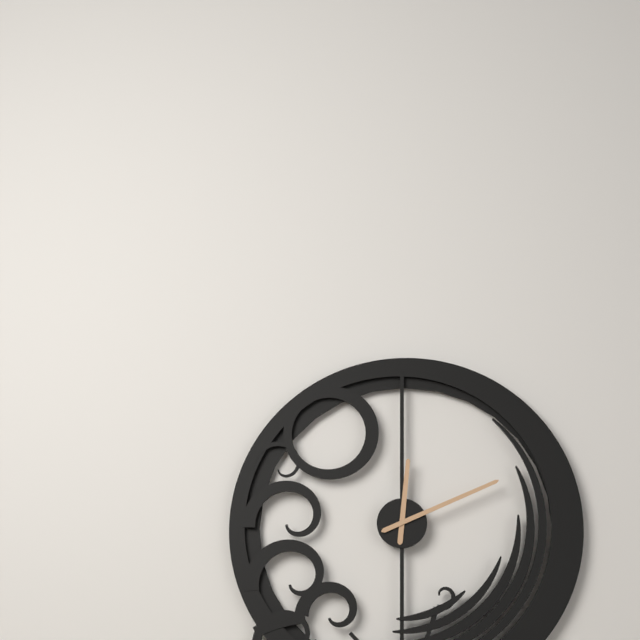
12.11
